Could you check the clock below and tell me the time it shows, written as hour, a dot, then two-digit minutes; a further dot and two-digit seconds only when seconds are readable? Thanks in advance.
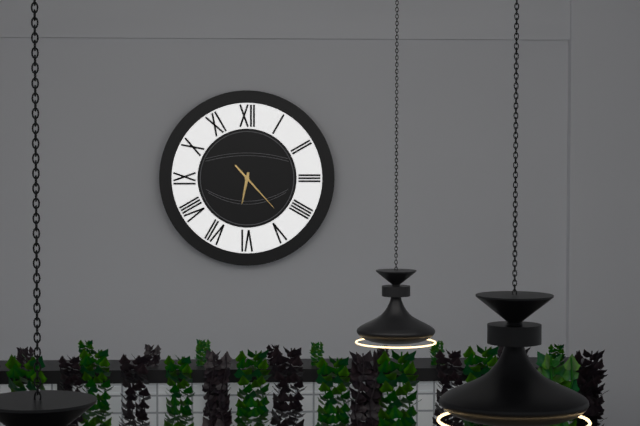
6.23
